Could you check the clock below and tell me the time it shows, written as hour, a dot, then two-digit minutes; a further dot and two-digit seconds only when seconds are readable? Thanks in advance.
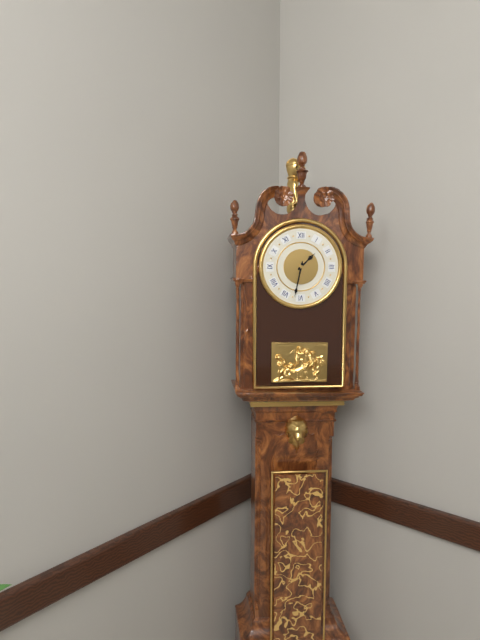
1.32
